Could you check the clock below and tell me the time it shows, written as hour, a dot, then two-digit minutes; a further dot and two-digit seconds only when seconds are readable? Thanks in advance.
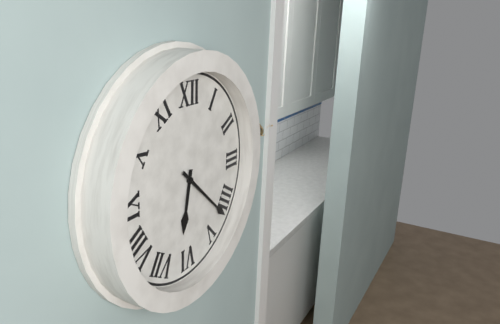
6.22
